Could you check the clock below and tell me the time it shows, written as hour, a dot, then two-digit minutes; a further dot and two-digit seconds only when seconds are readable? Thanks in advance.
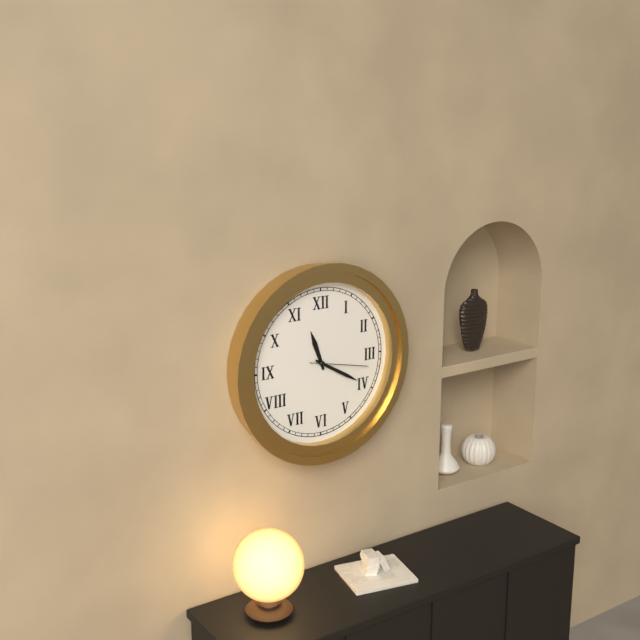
11.20.17
